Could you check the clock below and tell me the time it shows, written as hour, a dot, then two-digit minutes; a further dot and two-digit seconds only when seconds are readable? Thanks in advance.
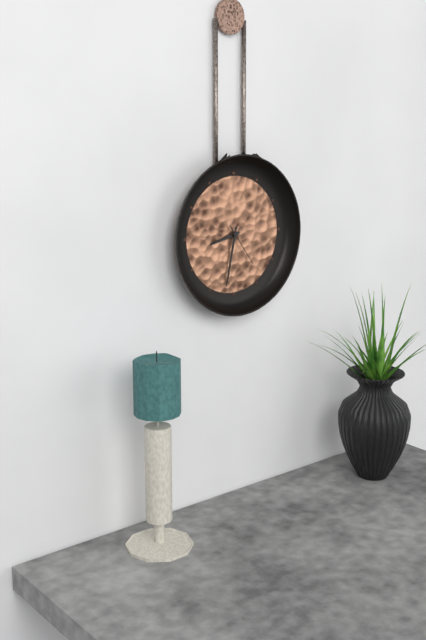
8.32
